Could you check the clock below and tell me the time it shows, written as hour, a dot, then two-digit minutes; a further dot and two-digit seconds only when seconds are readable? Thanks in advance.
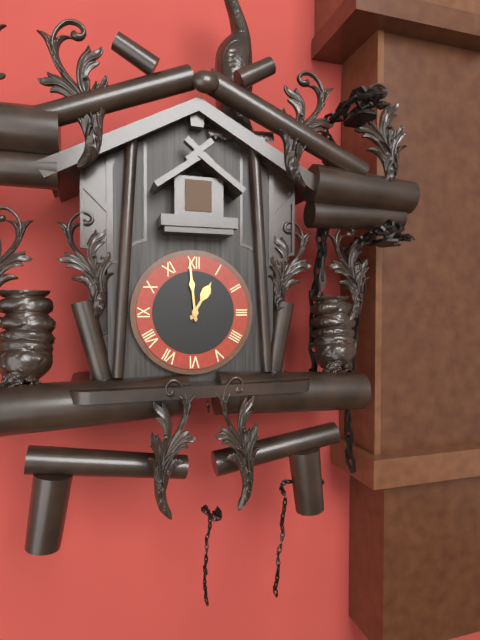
12.59
